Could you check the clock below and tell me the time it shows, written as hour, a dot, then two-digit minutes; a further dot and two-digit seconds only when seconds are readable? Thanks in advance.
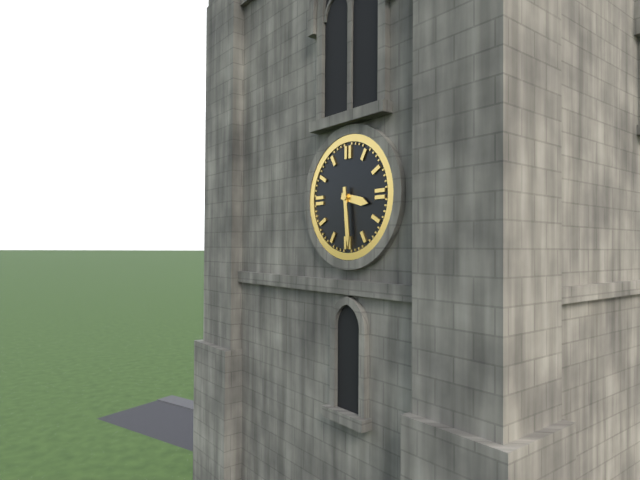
3.29
